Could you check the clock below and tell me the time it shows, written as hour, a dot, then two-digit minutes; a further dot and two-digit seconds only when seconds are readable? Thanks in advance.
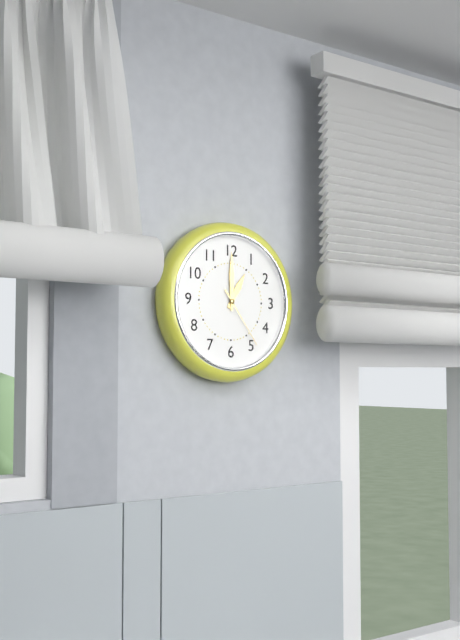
1.00.24
